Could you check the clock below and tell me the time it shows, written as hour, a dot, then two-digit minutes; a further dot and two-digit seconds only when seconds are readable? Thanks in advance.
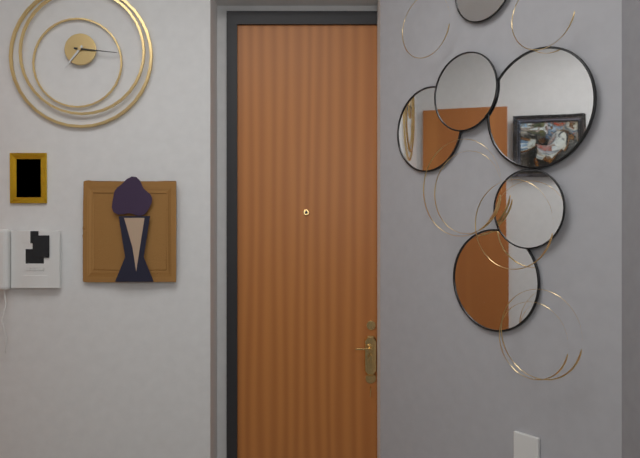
7.16
